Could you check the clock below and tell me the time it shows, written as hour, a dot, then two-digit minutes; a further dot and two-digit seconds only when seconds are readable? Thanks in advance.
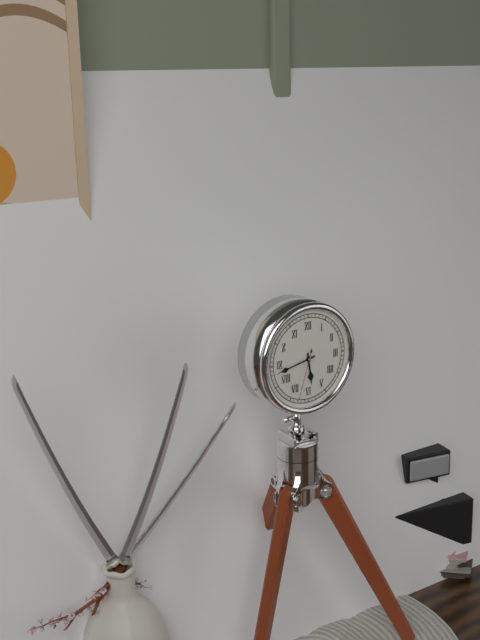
5.43.33
